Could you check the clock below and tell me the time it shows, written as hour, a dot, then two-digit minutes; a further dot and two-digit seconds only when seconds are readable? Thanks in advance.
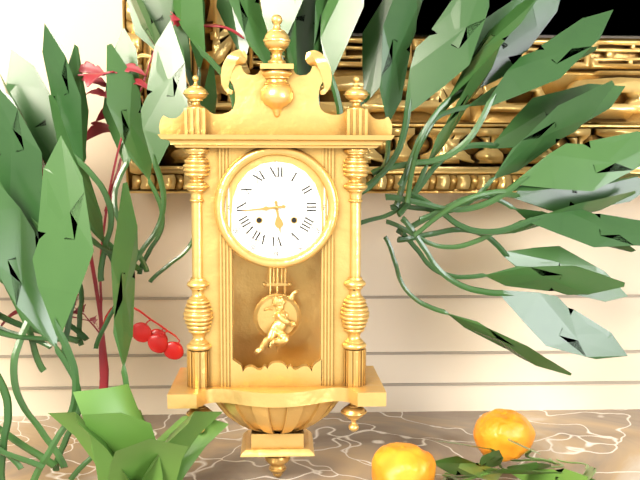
5.44
